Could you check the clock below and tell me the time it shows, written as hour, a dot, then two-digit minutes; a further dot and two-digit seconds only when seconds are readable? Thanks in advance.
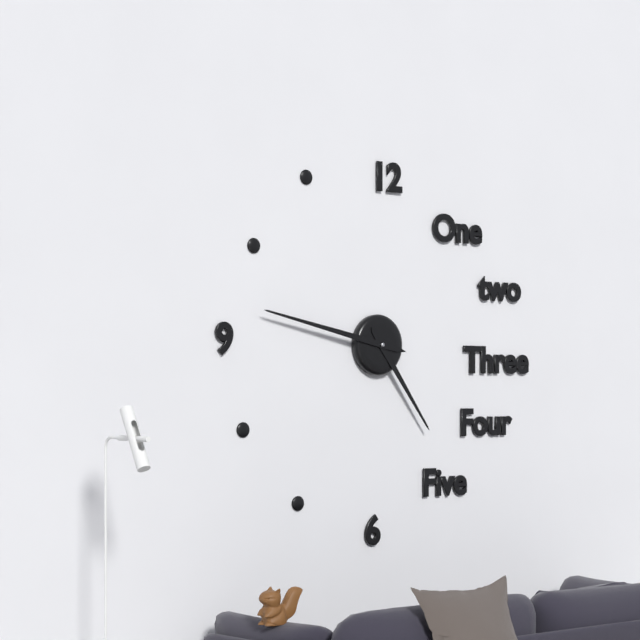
4.47
